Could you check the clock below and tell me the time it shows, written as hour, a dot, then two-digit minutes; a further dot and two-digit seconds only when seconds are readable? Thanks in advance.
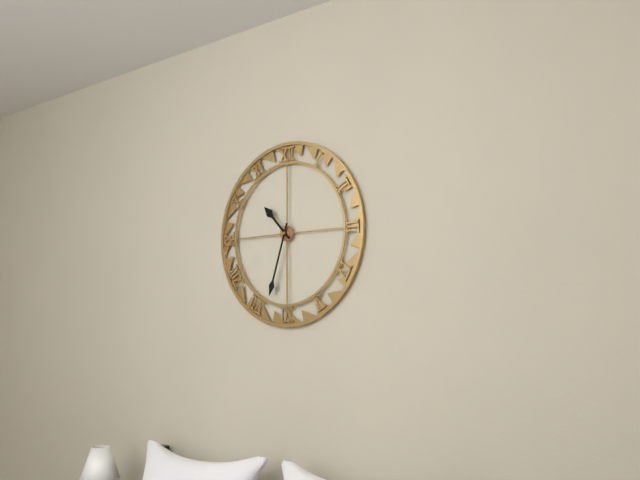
10.33
